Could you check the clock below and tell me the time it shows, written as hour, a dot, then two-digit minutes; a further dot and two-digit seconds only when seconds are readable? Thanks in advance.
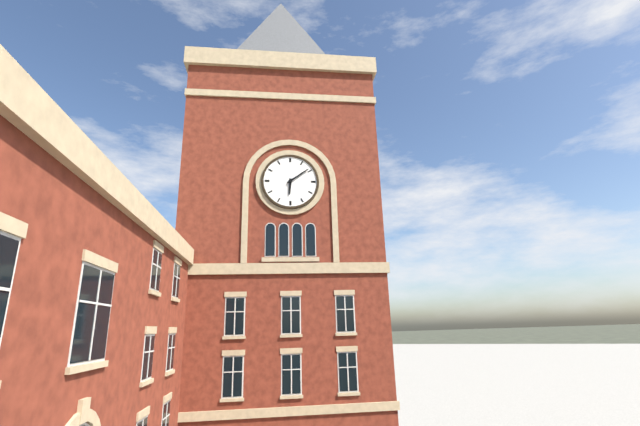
6.09
